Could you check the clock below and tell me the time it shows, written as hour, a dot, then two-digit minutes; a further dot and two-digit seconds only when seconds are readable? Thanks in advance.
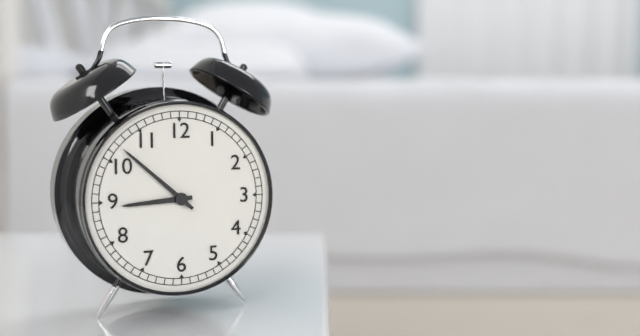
8.52
